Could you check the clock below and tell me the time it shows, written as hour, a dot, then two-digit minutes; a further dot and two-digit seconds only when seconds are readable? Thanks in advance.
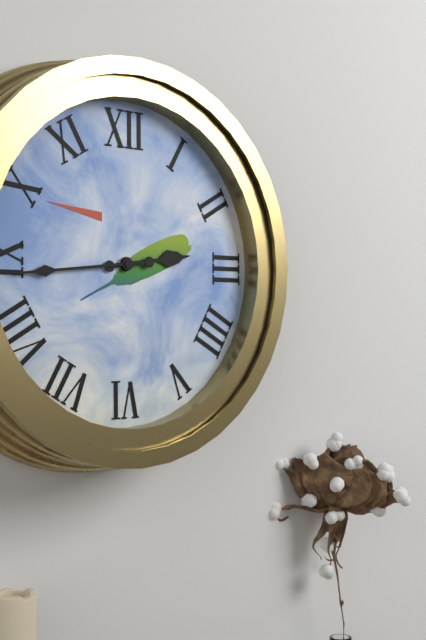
2.44
